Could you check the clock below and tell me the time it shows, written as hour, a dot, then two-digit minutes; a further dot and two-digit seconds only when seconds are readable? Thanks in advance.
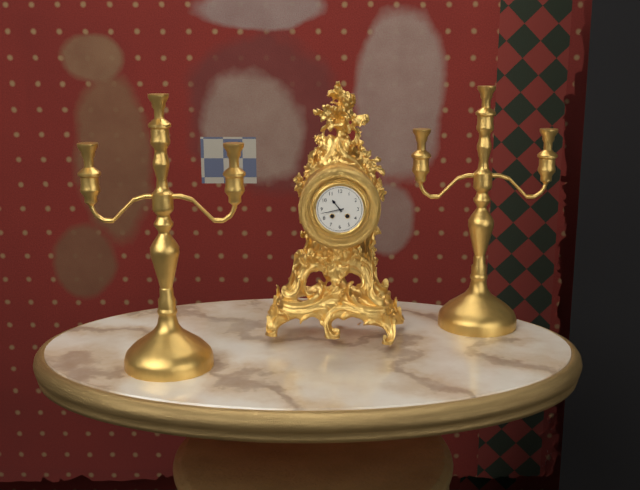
10.43
